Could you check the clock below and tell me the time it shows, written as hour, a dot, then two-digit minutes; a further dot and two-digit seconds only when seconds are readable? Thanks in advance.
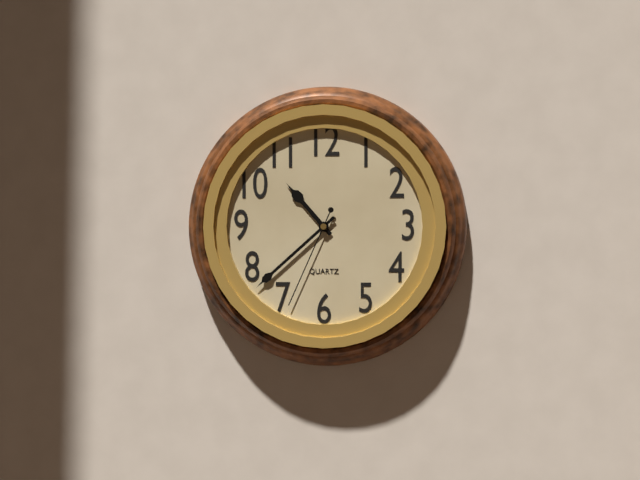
10.38.34
